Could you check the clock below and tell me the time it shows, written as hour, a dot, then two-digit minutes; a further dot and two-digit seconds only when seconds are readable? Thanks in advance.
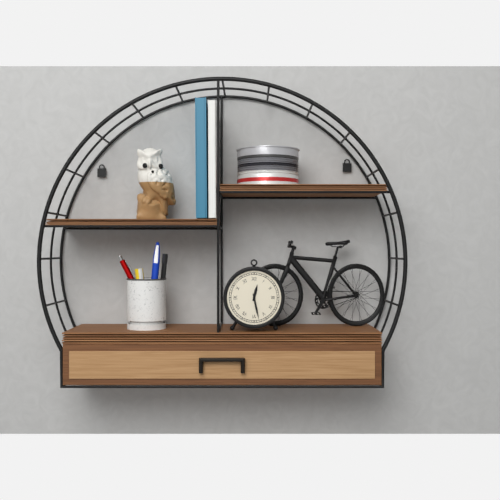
12.28
